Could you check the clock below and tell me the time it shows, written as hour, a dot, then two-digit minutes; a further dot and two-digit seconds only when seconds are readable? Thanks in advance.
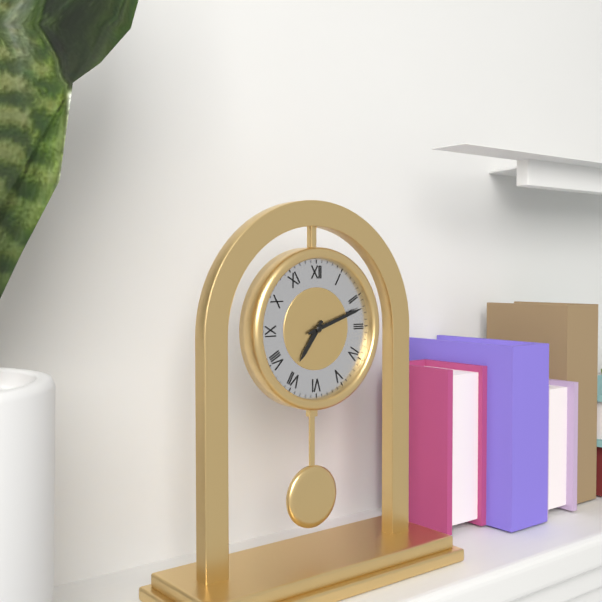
7.12
